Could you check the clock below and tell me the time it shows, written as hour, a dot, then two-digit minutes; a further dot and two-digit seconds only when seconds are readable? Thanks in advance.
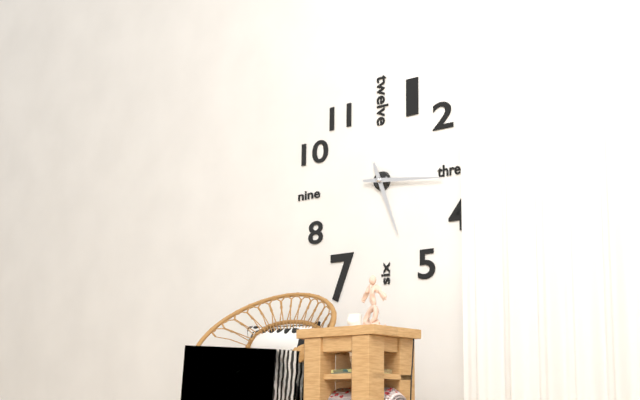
5.16
